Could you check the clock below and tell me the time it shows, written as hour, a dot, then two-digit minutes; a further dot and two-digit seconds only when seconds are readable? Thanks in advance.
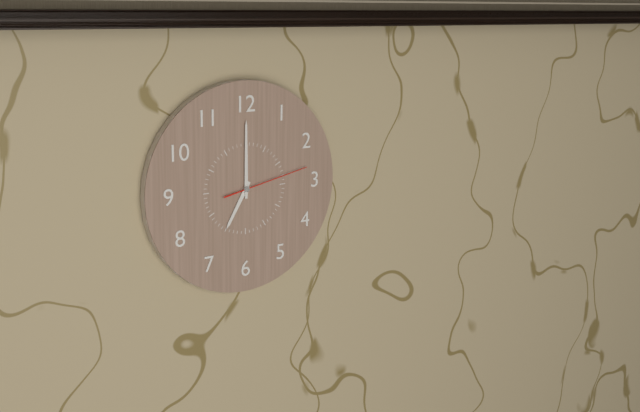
7.00.13
